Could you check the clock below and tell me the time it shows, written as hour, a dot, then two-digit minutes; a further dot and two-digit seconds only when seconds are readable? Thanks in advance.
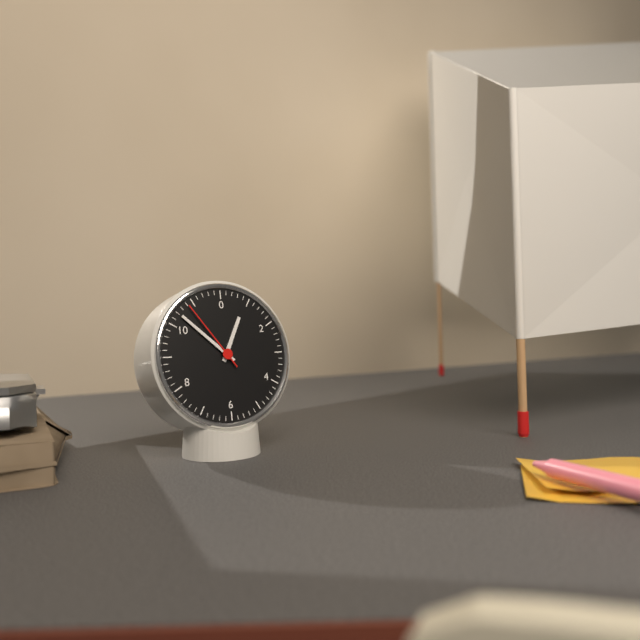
12.52.54
